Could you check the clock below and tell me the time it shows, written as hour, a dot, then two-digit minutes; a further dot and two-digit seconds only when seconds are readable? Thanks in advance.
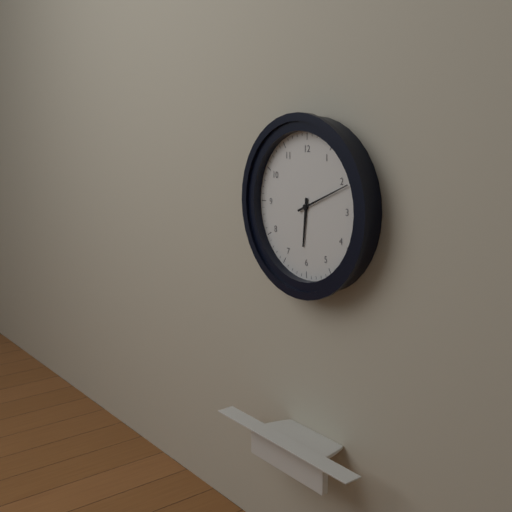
6.11
